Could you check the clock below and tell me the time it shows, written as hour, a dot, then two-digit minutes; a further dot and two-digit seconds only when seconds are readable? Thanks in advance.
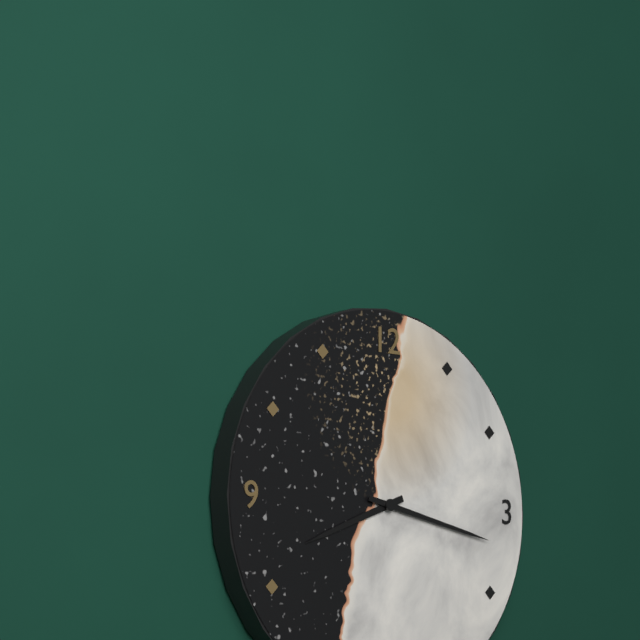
8.17
